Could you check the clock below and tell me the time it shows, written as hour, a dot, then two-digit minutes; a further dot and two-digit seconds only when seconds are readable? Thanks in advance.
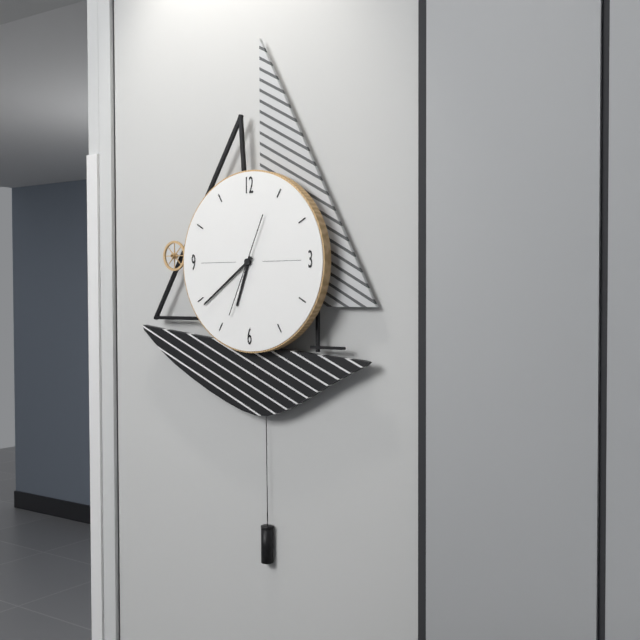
6.39.34
